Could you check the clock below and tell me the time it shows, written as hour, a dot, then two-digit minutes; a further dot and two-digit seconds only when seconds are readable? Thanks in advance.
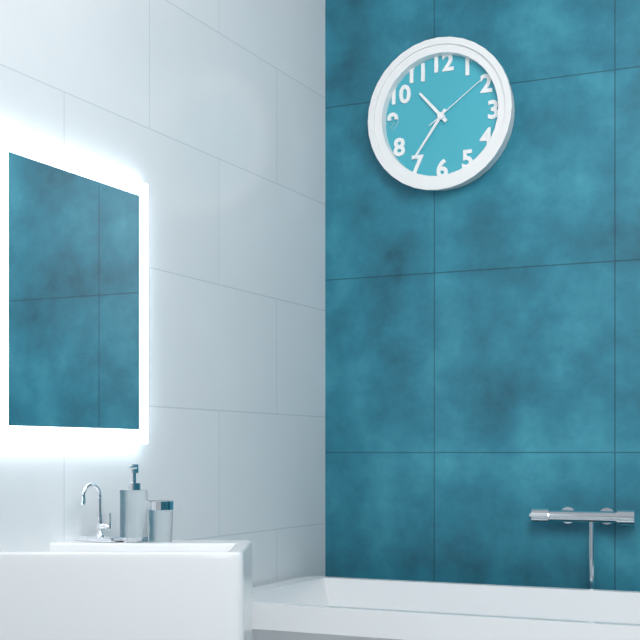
10.36.09
